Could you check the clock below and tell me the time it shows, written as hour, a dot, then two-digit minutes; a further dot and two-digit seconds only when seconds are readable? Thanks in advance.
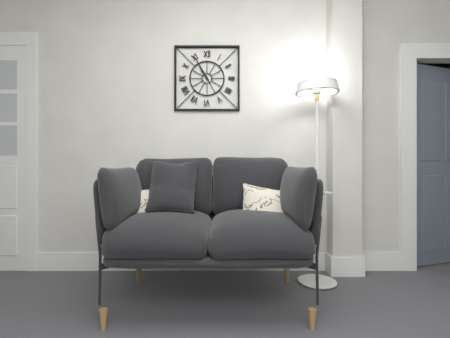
10.55
